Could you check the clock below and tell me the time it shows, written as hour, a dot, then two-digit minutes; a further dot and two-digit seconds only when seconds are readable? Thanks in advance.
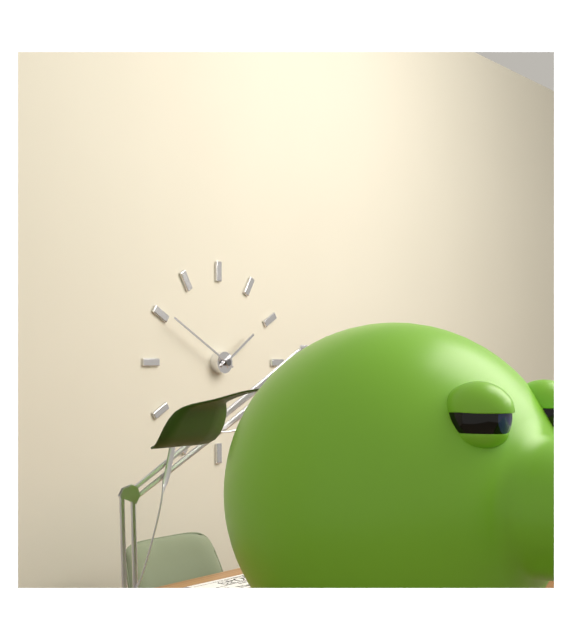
1.50
